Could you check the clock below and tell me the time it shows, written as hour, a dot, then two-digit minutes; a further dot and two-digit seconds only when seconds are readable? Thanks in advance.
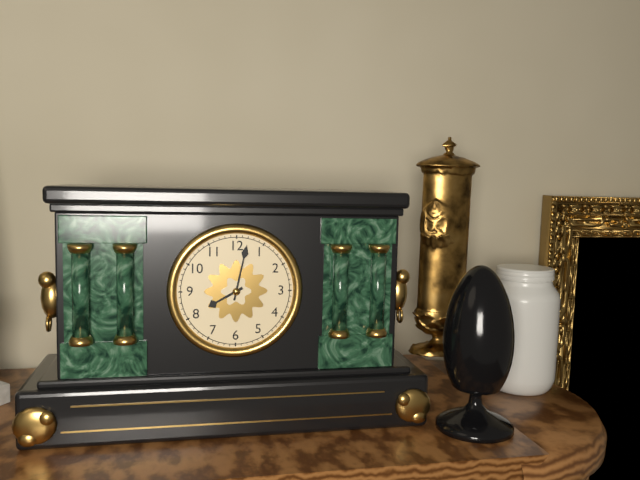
8.02
